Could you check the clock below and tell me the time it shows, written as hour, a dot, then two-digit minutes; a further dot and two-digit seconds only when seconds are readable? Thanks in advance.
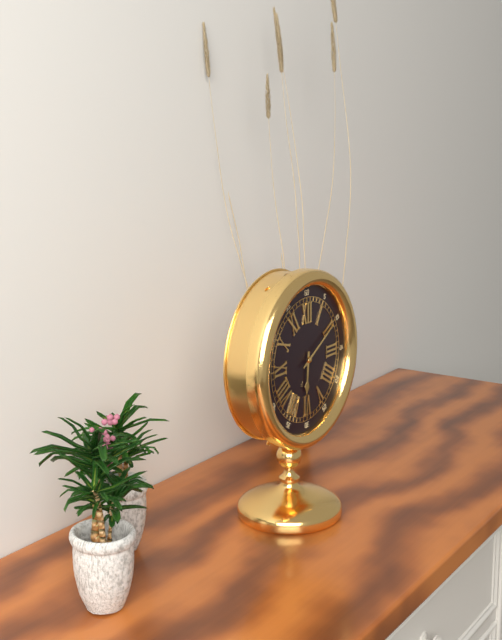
6.10
